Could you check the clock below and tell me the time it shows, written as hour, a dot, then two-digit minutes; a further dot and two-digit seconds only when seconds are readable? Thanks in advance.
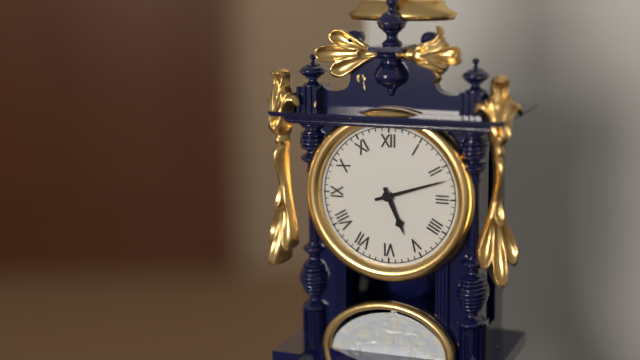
5.12
